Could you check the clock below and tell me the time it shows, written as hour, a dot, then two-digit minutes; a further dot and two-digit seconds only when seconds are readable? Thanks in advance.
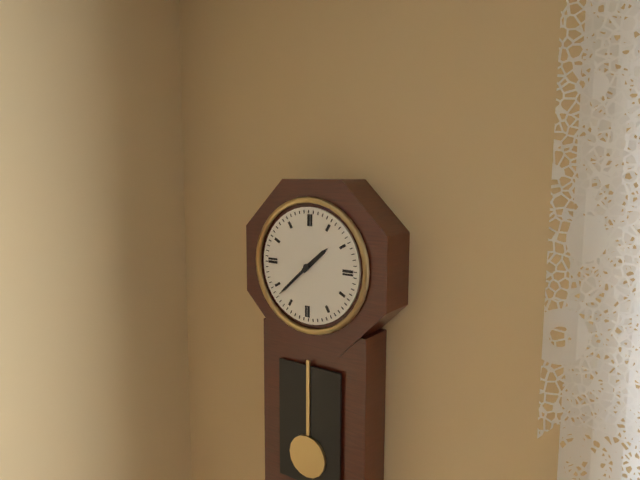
1.38
